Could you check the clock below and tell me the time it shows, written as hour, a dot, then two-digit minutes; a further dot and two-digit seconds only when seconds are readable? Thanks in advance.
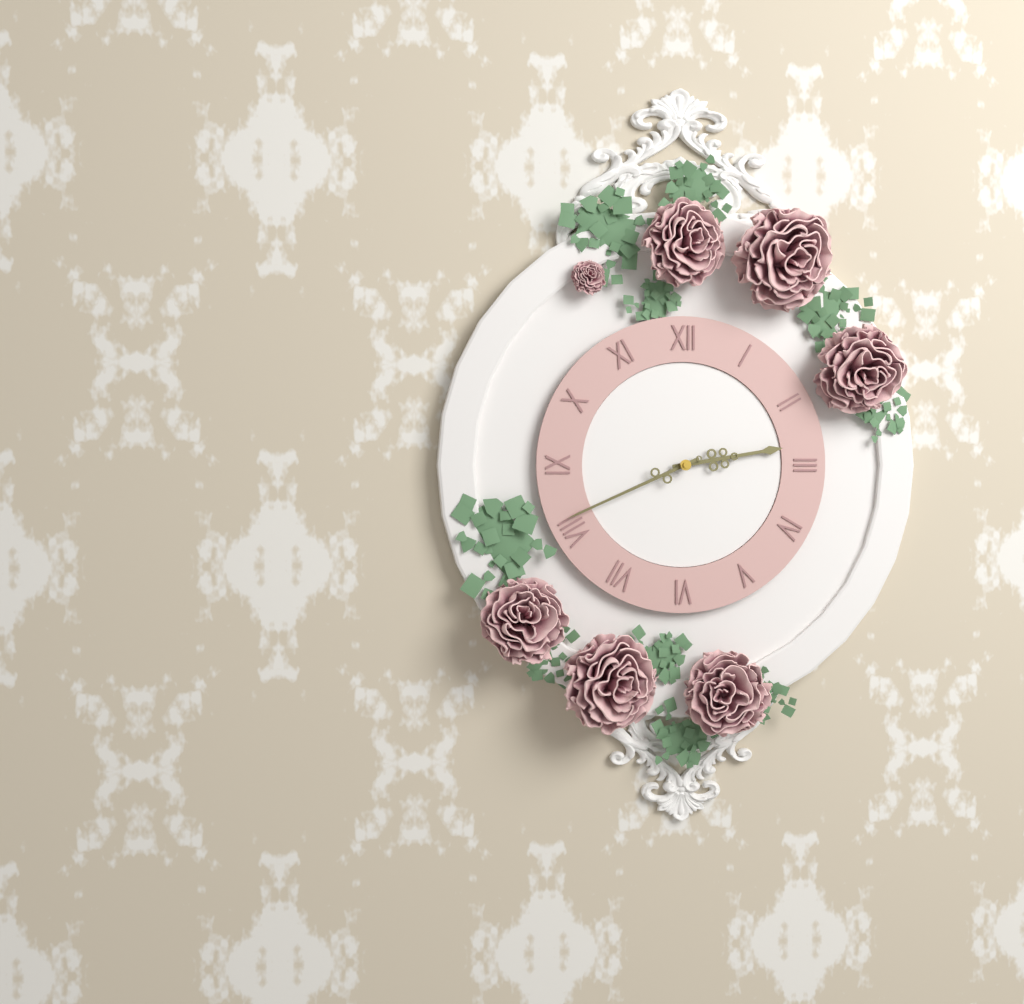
2.41
